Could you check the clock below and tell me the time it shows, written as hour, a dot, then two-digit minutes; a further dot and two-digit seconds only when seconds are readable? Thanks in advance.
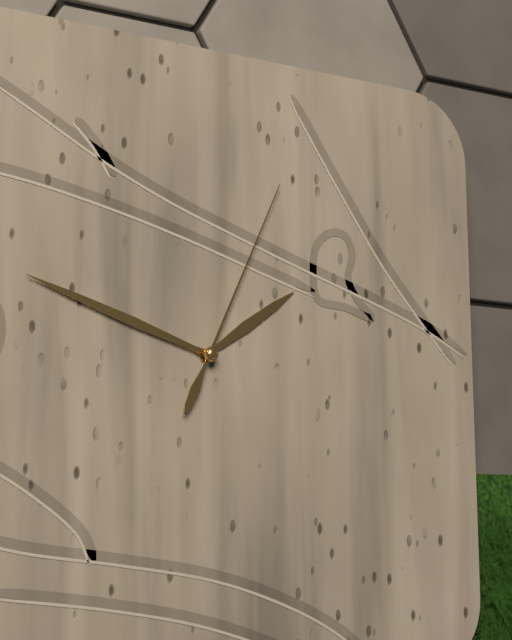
1.48.04
